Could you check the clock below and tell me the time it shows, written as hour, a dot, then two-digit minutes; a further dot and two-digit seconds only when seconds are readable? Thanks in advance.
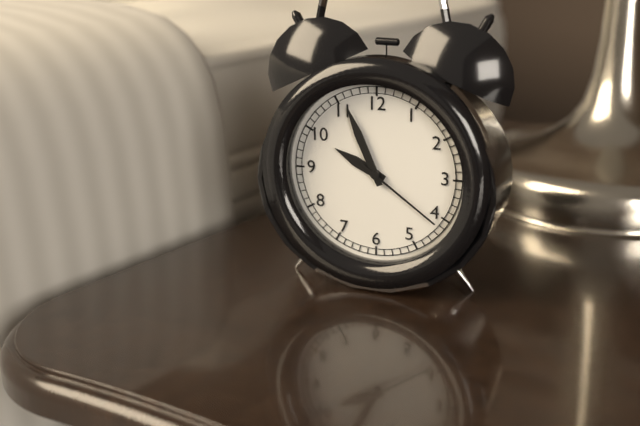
9.56.21
